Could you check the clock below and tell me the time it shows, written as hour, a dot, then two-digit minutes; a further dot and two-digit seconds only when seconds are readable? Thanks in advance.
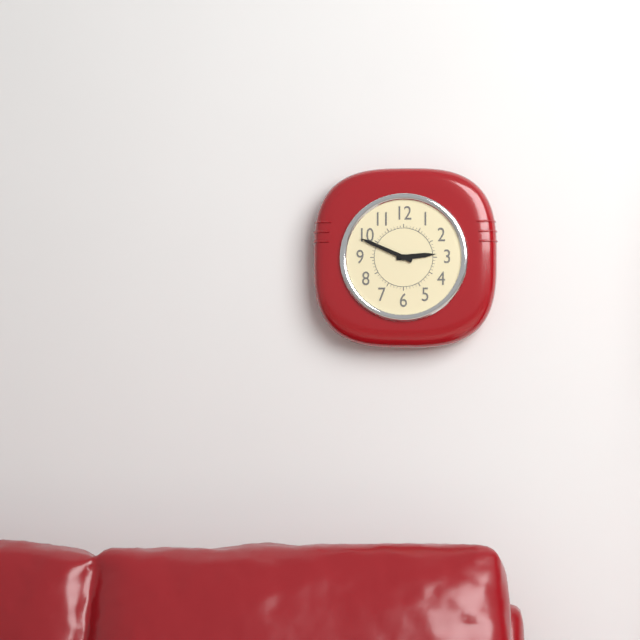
2.49
